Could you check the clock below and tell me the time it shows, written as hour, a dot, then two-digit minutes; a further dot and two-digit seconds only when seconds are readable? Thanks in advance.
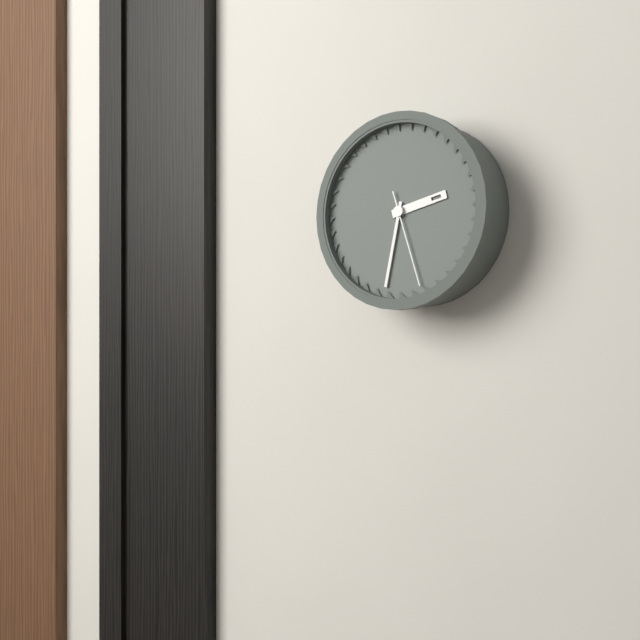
2.32.27
